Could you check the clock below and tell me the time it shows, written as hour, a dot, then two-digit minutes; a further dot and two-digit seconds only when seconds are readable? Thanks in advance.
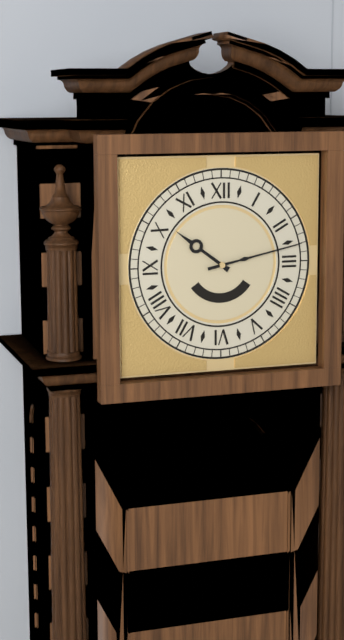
10.13
